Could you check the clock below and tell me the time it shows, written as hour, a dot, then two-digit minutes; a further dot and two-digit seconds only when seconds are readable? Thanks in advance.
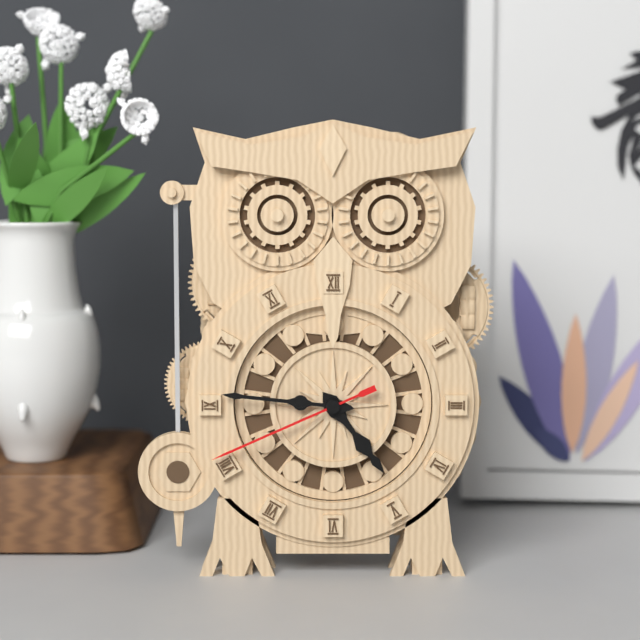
4.46.41
